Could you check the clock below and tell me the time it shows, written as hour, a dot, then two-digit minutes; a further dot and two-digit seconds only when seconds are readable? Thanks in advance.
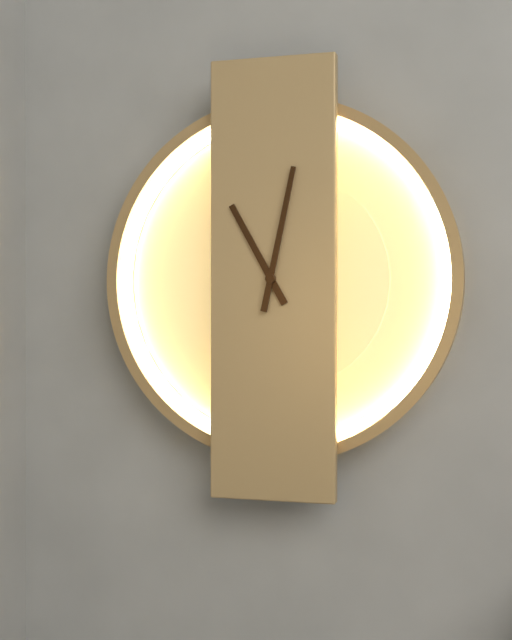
11.02
